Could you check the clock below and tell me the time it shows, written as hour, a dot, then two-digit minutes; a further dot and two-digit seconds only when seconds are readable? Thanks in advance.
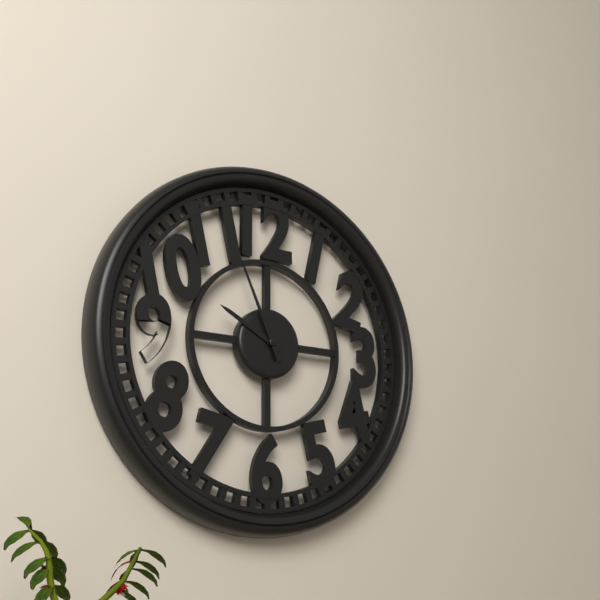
9.56
